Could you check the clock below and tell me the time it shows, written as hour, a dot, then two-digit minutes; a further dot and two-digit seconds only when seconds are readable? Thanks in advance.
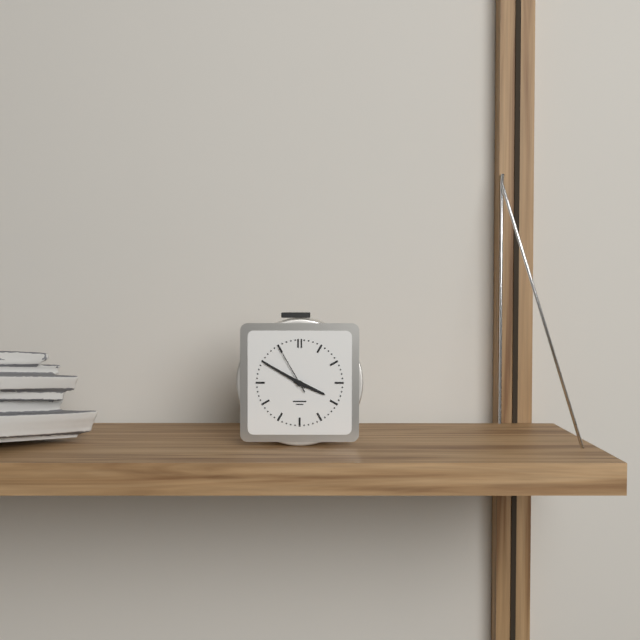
3.50.55
